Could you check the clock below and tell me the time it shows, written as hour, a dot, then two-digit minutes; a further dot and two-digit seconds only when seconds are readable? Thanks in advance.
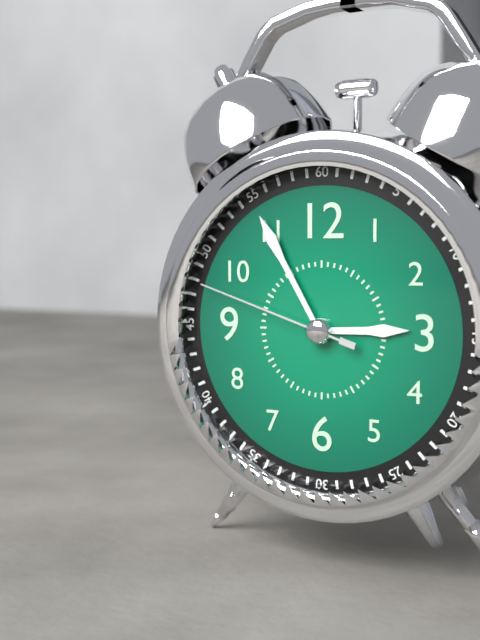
2.55.48
